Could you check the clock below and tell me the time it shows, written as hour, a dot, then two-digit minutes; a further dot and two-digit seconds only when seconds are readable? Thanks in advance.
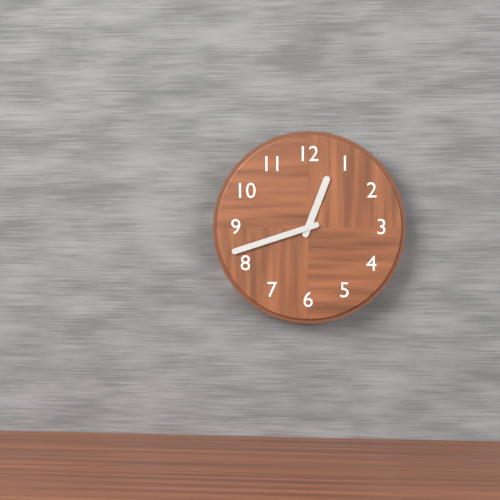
12.42
